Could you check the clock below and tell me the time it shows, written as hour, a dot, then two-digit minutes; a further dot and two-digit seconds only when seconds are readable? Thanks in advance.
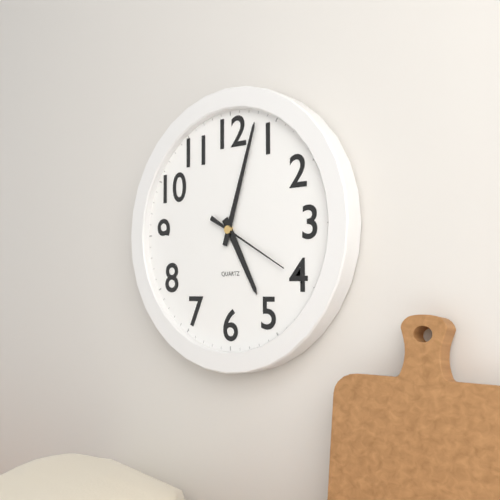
5.03.20
